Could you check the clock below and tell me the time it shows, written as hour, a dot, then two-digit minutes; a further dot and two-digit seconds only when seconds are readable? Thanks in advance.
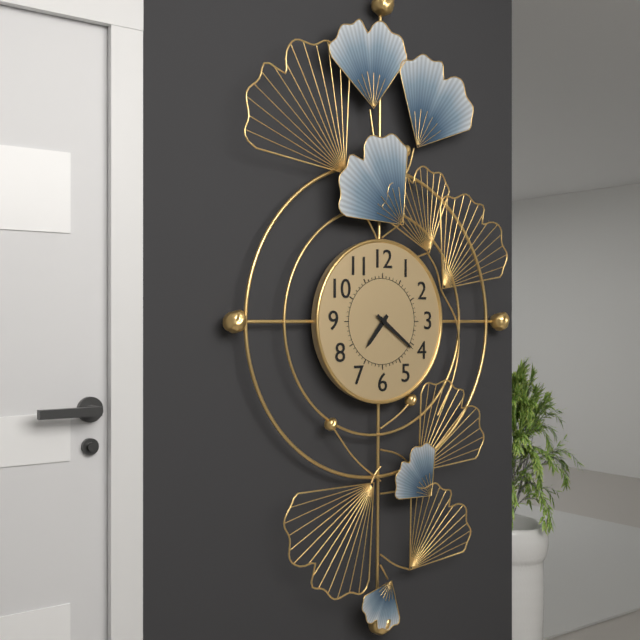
7.21
